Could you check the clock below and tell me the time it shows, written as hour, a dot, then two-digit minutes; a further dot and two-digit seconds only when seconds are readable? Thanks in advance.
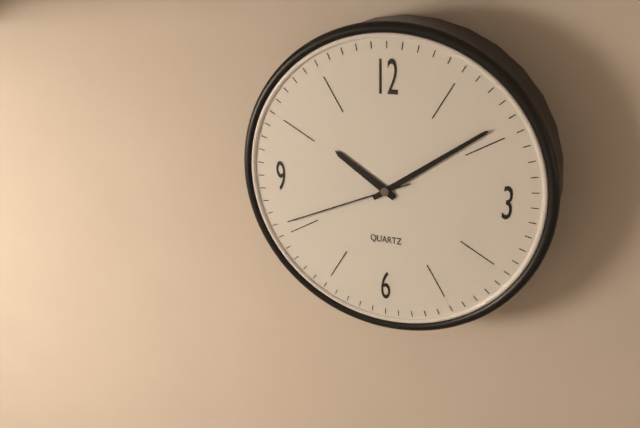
10.09.41
